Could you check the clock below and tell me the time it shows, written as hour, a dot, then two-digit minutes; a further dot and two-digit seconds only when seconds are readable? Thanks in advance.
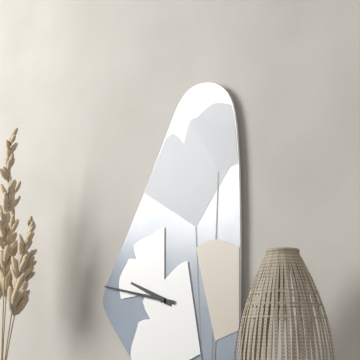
9.47
